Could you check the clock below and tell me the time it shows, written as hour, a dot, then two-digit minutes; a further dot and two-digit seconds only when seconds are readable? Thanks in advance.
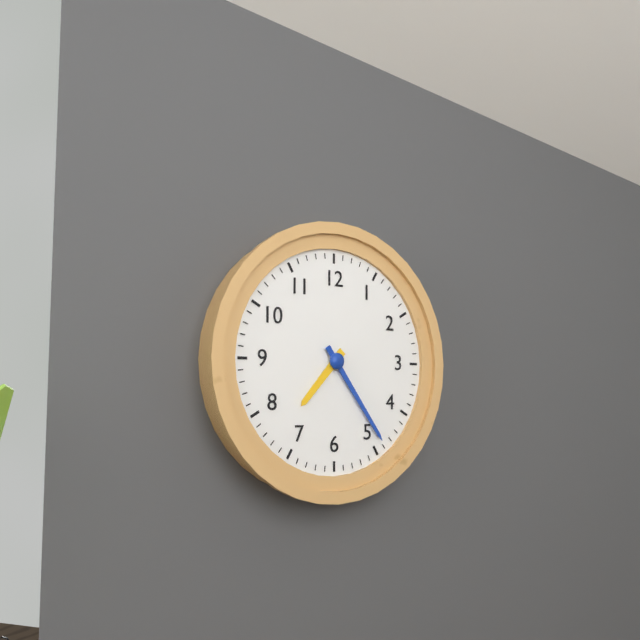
7.24
